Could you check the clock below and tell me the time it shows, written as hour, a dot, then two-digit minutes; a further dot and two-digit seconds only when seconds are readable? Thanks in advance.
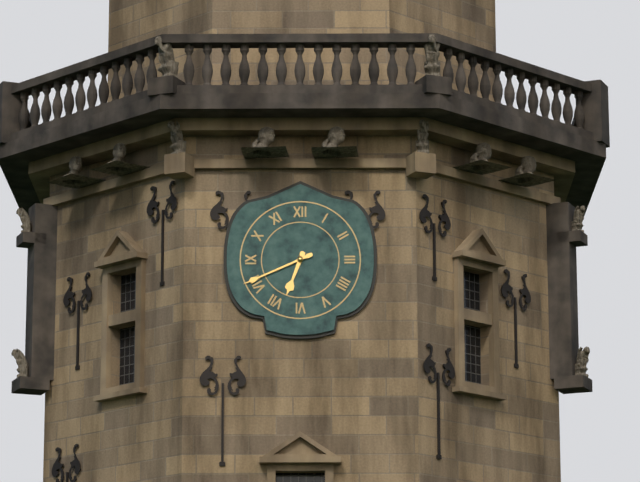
6.41
